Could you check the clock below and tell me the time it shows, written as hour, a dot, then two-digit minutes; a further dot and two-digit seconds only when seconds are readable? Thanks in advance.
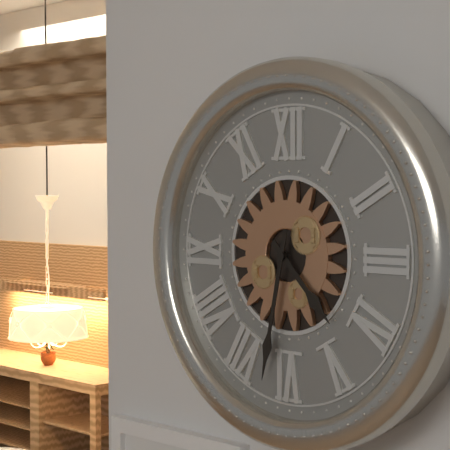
4.32
